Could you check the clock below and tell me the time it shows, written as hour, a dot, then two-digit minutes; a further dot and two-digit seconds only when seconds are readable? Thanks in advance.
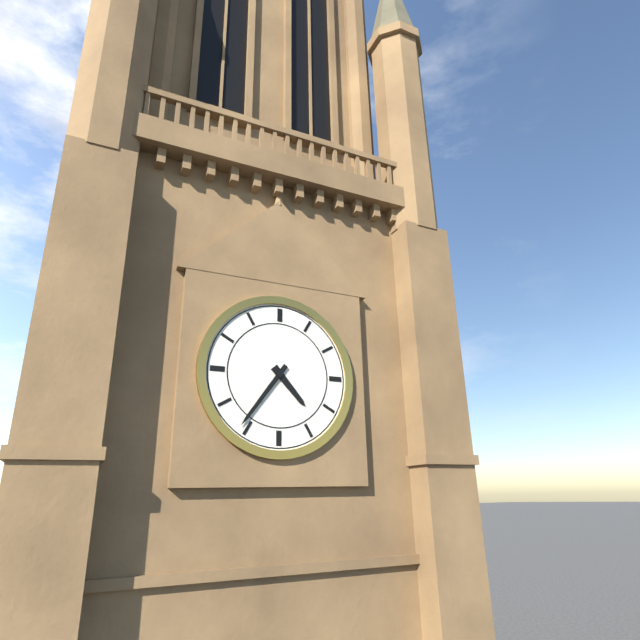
4.36
